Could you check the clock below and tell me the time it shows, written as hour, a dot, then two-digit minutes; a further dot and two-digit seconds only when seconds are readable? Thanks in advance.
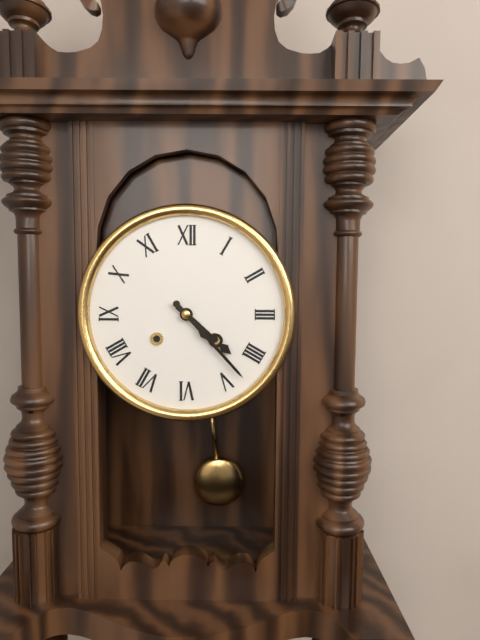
4.23
